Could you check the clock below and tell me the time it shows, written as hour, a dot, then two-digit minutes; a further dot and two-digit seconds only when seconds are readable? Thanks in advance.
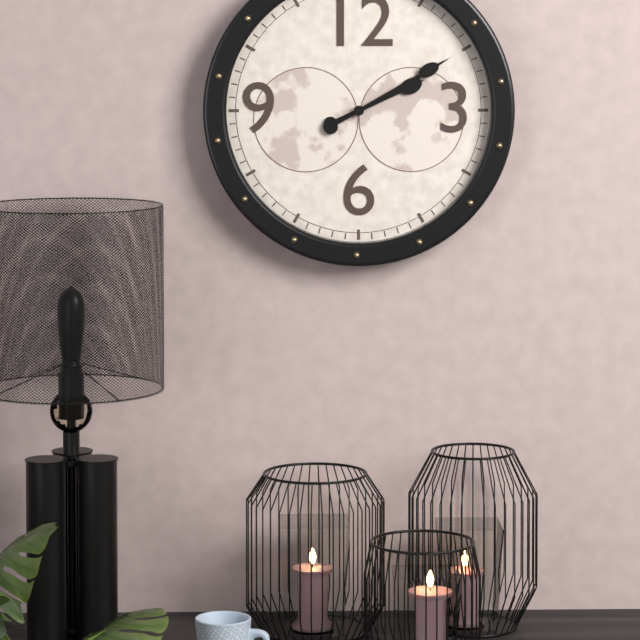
2.10
